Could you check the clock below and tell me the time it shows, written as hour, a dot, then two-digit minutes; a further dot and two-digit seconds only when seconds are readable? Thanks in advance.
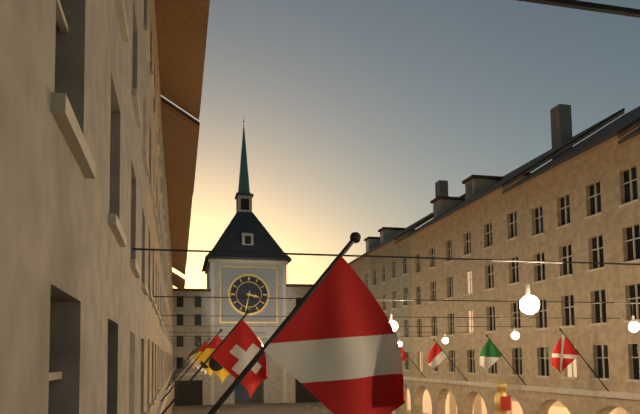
3.32
